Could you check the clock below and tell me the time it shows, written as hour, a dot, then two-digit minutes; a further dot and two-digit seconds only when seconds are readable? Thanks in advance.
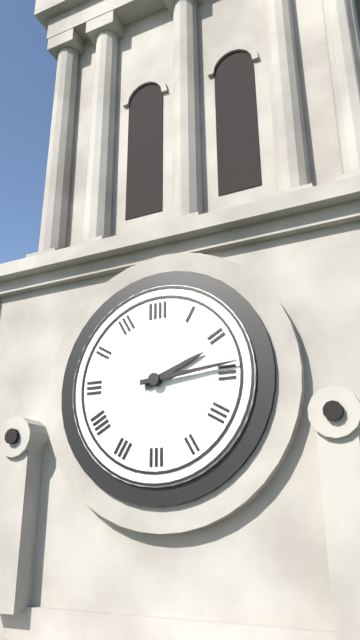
2.14
